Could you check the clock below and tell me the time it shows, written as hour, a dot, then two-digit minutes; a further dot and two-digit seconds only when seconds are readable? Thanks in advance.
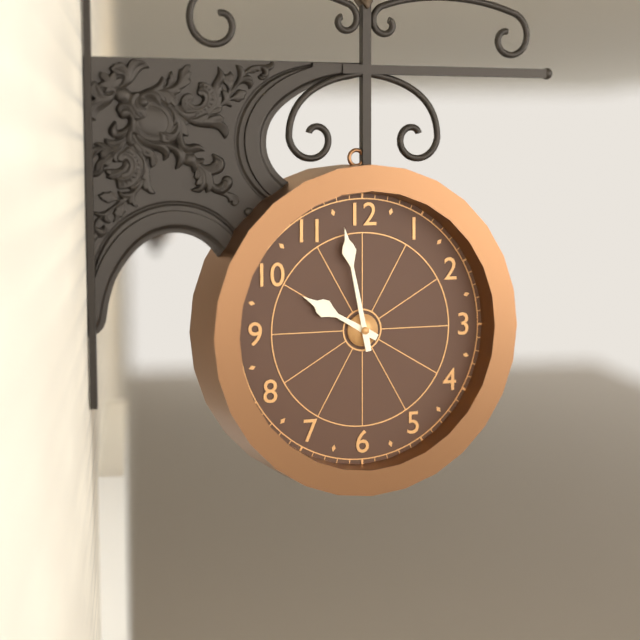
9.58
